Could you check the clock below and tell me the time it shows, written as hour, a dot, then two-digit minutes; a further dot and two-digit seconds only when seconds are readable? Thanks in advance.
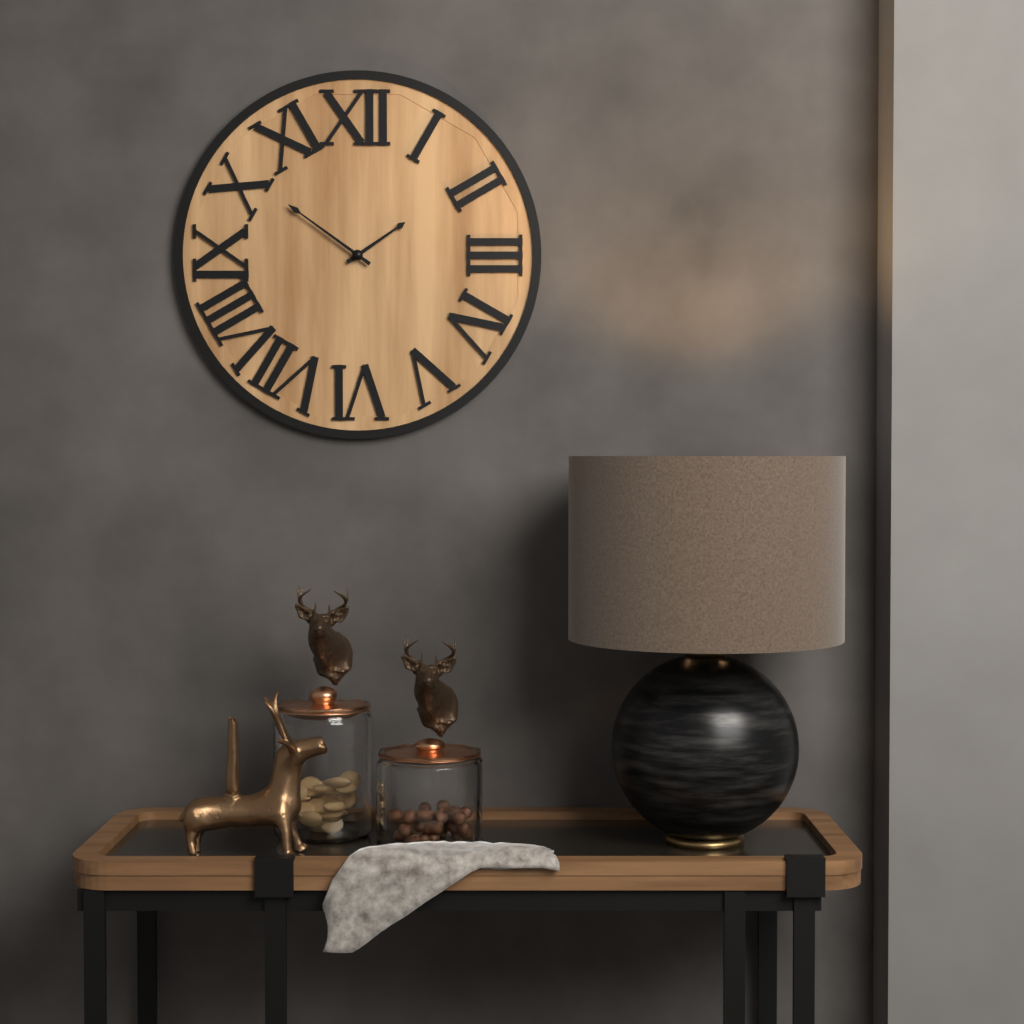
1.51
